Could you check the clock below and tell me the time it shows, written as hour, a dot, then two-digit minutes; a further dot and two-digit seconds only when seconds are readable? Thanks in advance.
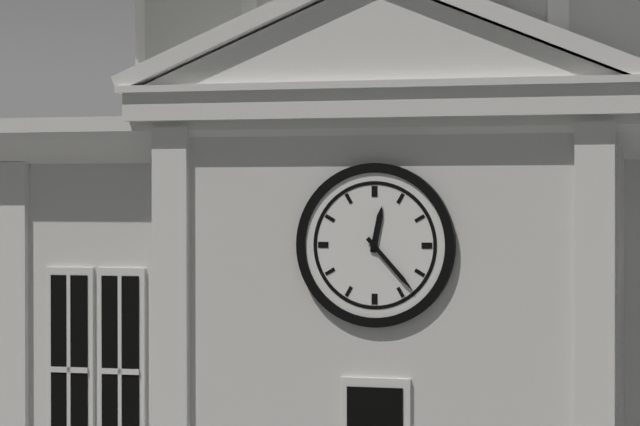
12.23
